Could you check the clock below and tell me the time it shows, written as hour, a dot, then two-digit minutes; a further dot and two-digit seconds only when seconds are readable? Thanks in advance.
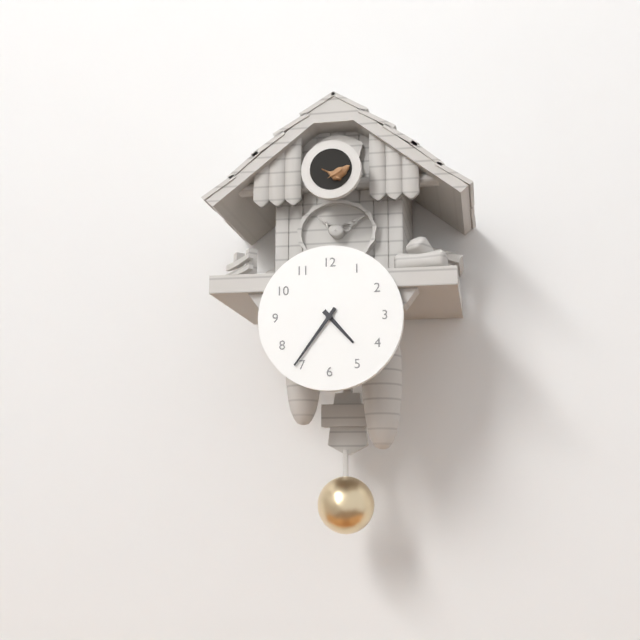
4.36
